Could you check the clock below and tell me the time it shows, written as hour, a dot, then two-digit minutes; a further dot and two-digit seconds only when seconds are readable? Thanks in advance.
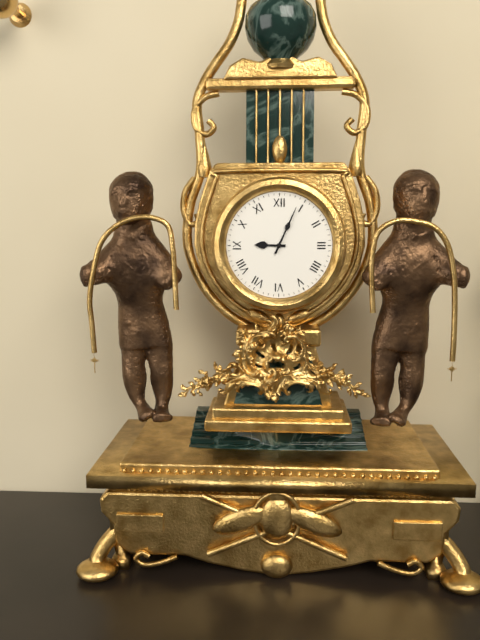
9.04
